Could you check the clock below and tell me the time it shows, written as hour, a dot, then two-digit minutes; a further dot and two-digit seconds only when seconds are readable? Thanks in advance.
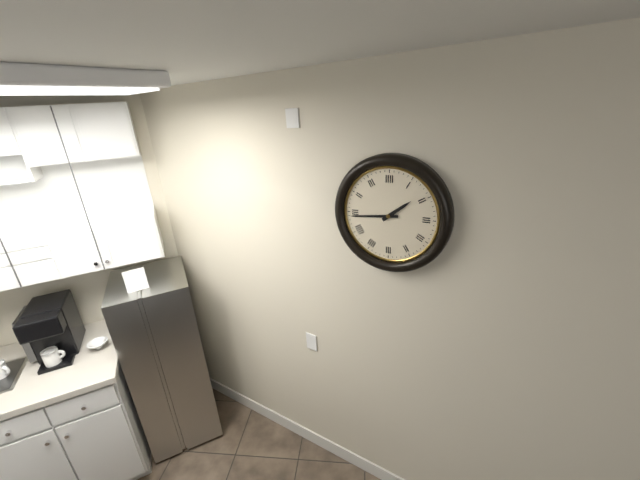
1.44
